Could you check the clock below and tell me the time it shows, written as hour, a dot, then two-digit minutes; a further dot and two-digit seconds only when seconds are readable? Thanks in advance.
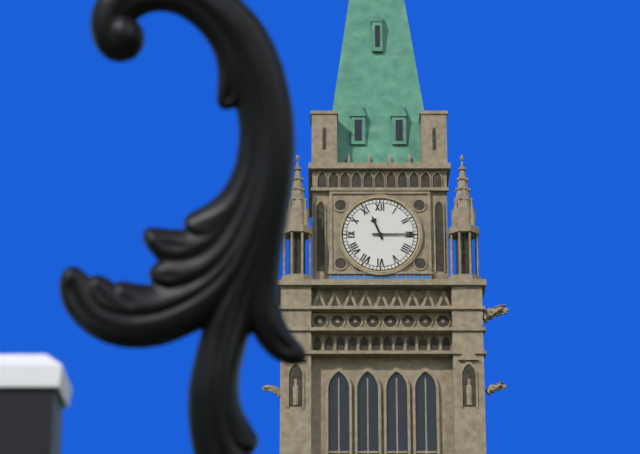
11.15
